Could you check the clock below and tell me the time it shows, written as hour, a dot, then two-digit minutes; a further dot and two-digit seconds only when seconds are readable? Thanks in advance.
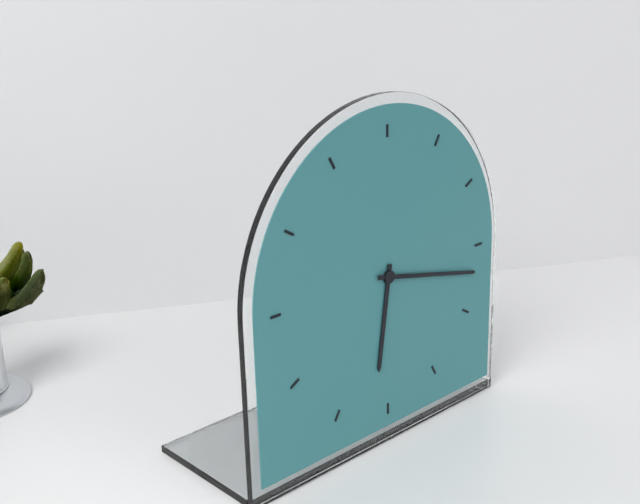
6.17
